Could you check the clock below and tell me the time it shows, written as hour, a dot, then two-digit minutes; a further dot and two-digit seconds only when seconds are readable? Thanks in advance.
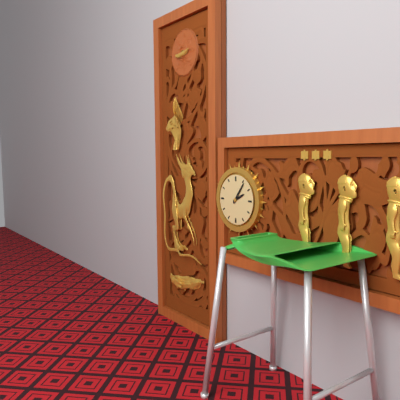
2.06
